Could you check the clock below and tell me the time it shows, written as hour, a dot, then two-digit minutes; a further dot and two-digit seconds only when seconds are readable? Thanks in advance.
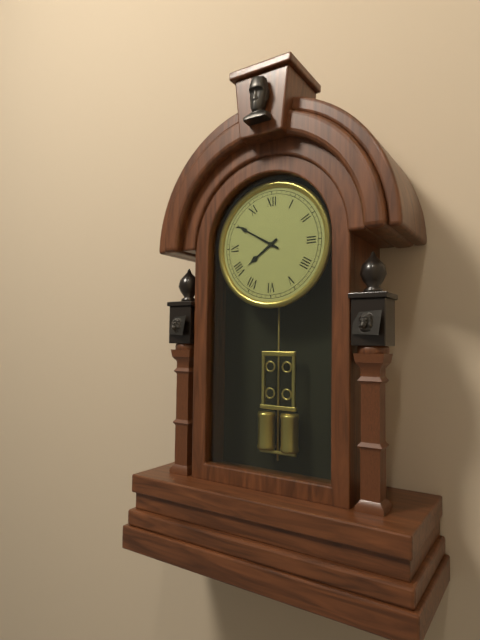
7.50
